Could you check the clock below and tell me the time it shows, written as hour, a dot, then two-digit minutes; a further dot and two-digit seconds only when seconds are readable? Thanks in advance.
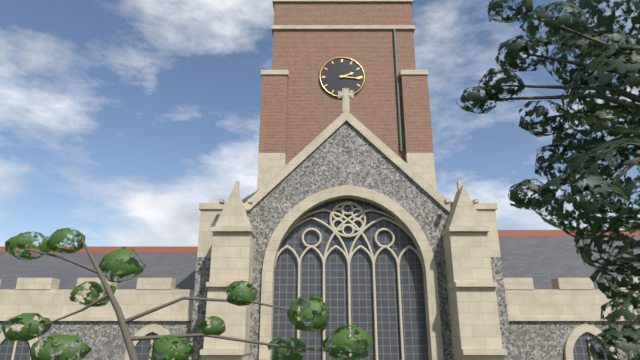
2.16
